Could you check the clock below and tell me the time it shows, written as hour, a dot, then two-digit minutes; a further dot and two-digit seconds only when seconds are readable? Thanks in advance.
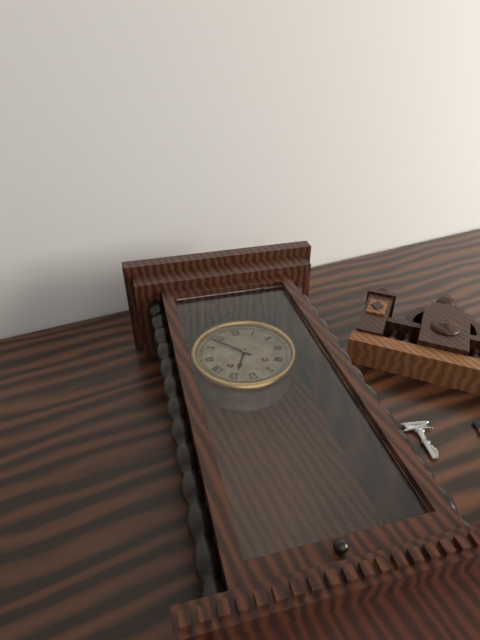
6.53
